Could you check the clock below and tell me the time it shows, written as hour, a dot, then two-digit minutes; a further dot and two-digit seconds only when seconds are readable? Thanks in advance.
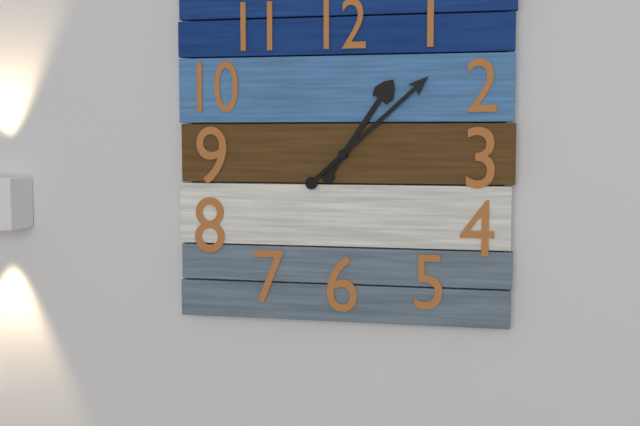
1.08
